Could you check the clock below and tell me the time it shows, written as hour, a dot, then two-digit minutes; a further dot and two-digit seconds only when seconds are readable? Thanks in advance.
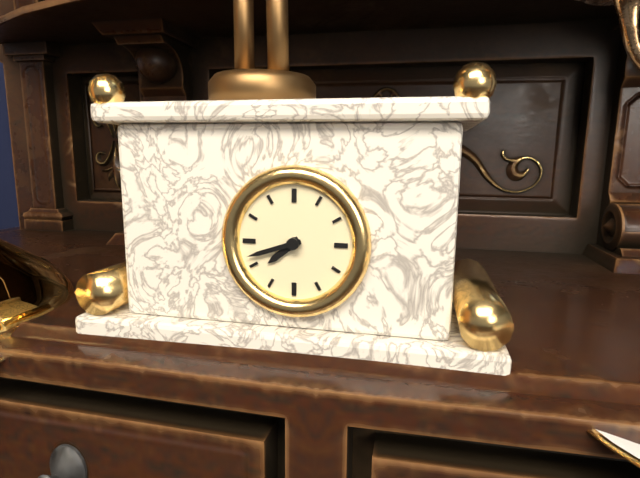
7.42
